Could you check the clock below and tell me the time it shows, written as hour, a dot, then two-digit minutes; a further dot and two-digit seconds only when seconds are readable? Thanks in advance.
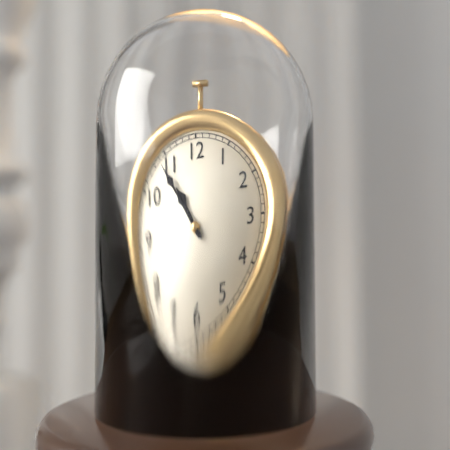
10.54
